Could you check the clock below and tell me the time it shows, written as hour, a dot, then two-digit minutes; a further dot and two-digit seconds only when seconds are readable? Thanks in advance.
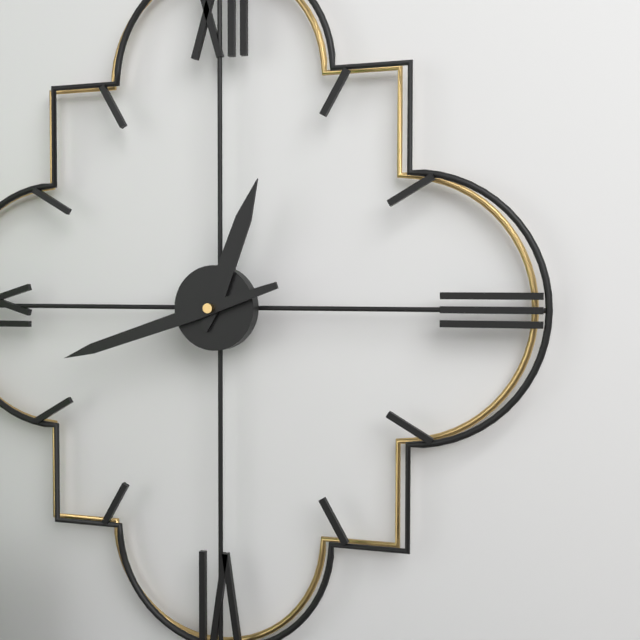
12.42
